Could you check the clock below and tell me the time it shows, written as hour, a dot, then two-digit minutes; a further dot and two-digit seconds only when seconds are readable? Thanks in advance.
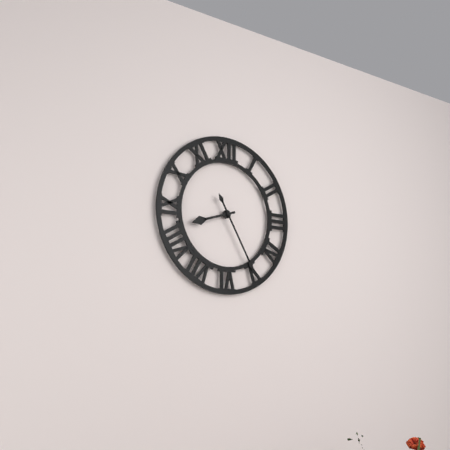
8.25
